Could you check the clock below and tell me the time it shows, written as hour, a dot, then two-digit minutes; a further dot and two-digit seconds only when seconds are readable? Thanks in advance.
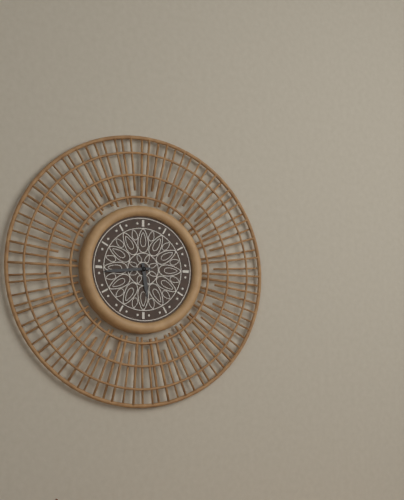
5.44
